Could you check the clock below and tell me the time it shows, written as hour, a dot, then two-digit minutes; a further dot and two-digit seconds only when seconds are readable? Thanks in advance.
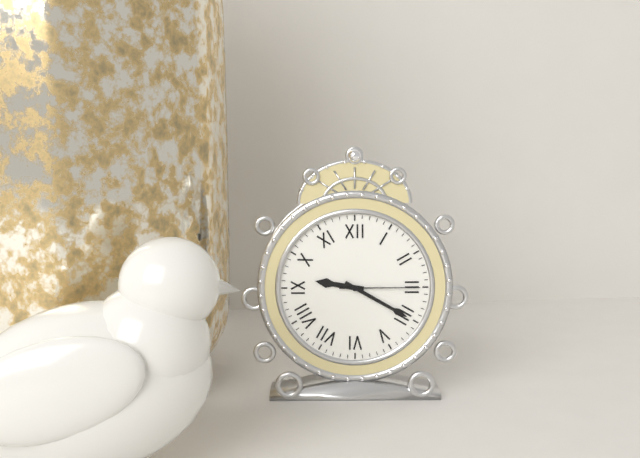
9.20.15
